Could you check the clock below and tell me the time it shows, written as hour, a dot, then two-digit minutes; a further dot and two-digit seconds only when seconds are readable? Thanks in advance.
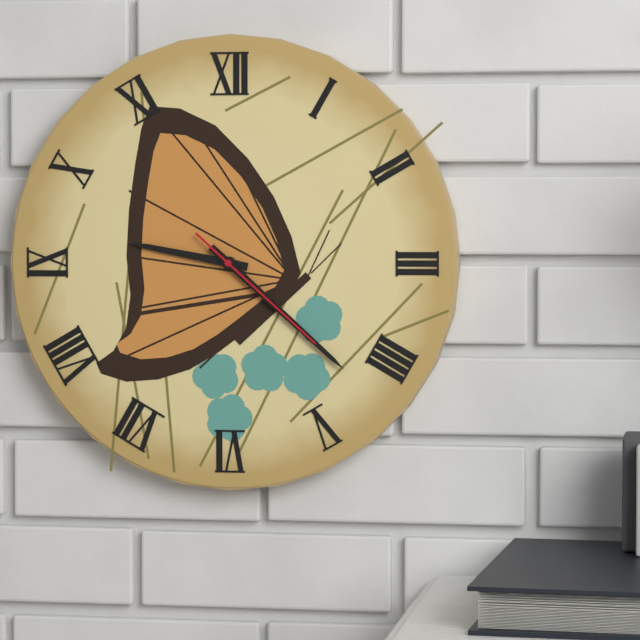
9.22.22
